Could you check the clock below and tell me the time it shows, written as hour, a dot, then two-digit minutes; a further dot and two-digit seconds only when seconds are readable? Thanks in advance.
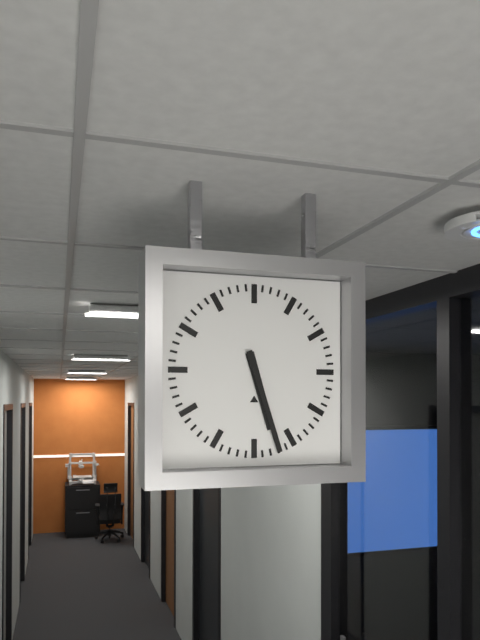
5.27
